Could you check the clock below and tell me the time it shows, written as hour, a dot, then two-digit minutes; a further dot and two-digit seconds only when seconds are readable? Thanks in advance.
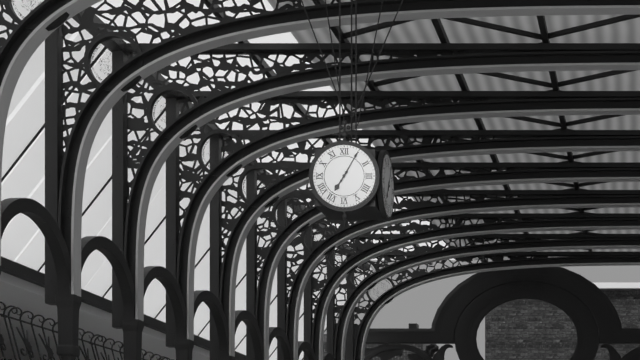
7.05
